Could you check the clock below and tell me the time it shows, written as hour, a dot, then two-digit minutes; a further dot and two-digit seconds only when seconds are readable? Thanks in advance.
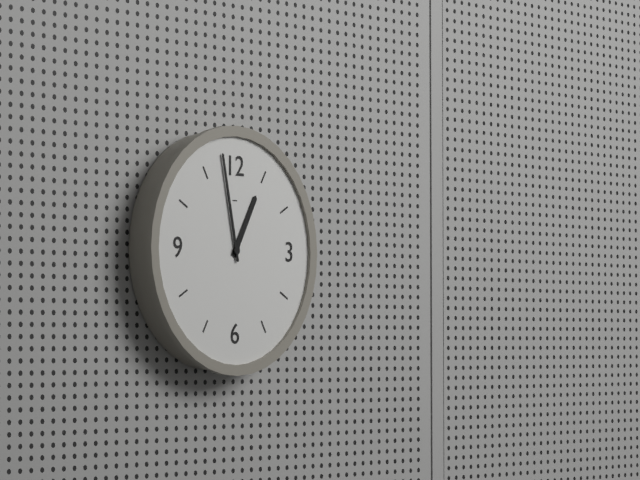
12.58
